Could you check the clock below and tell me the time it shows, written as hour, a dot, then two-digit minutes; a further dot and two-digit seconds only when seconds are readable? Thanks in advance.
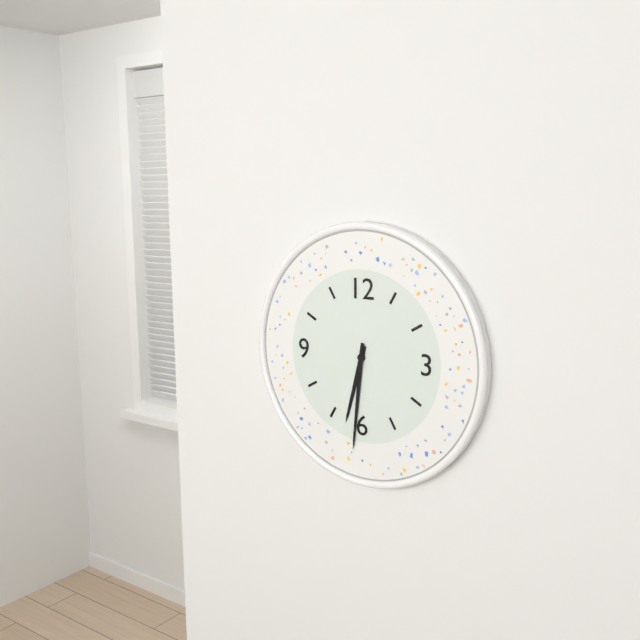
6.31
